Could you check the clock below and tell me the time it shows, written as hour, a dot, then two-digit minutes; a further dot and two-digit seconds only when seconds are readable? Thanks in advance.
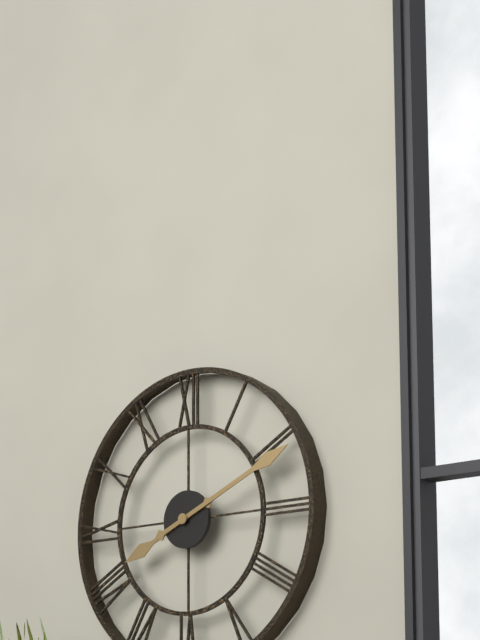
8.11
